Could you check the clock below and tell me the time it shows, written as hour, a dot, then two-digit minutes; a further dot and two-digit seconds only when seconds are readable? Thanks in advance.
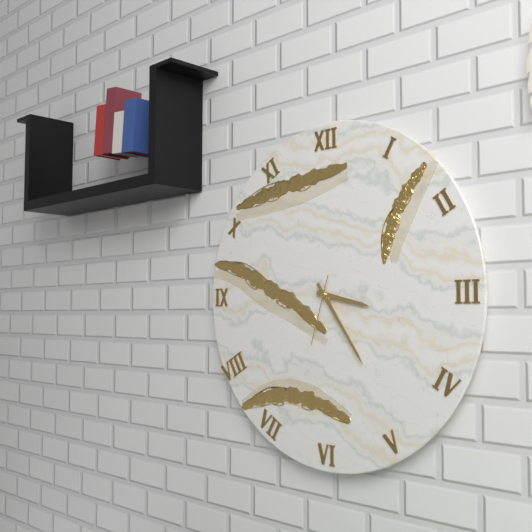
3.24.33
